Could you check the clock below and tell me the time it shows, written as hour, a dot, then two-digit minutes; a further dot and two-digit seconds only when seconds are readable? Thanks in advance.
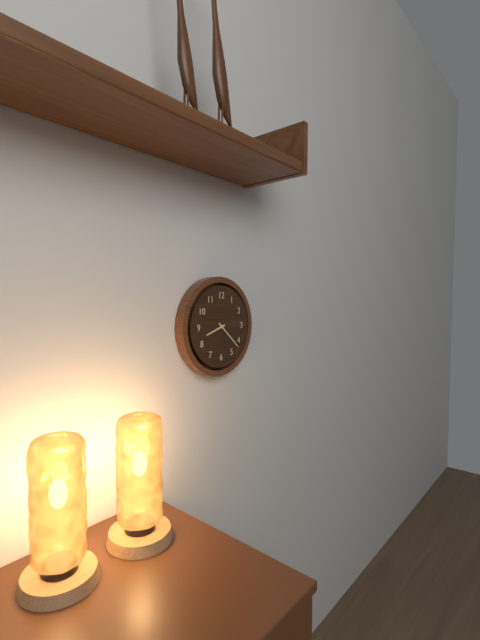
8.22
